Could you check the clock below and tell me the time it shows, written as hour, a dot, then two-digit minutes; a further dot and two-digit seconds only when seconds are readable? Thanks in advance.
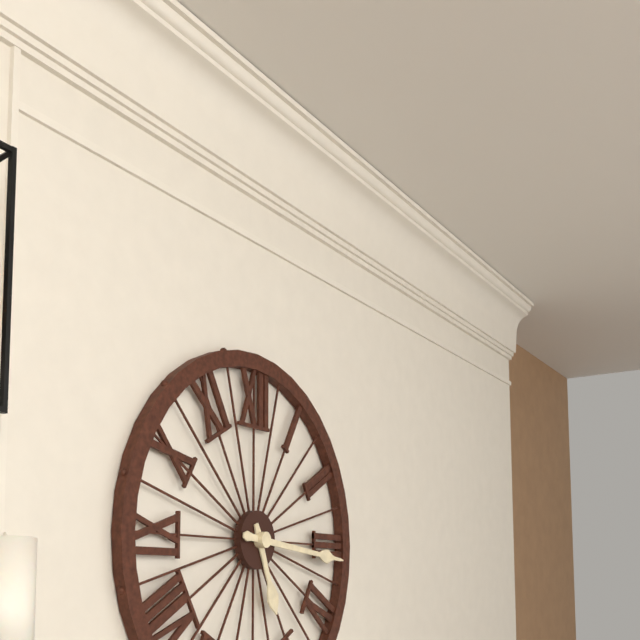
5.16
